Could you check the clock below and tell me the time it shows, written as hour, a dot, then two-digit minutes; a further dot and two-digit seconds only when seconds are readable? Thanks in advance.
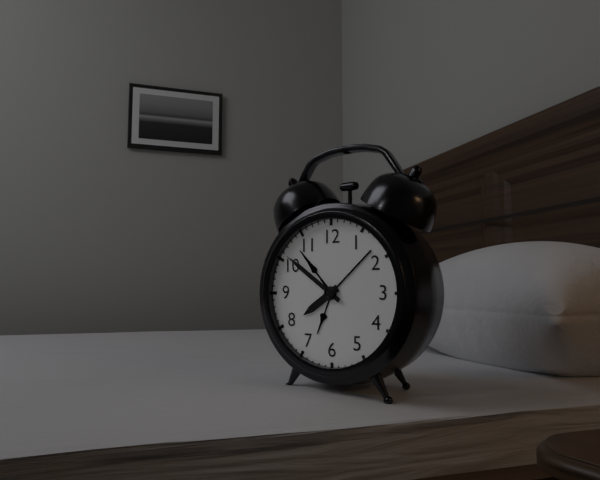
7.51
